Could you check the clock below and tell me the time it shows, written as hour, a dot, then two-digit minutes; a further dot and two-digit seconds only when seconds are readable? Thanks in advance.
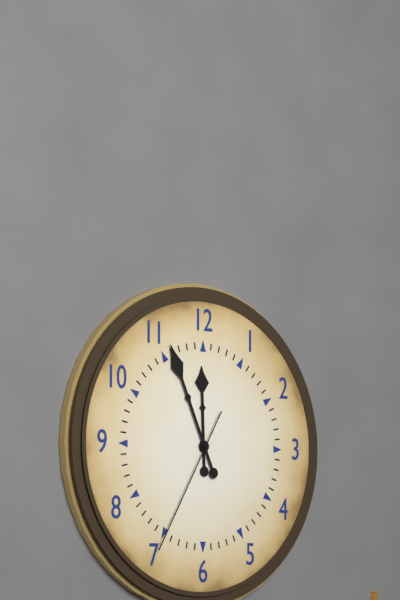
11.56.35
